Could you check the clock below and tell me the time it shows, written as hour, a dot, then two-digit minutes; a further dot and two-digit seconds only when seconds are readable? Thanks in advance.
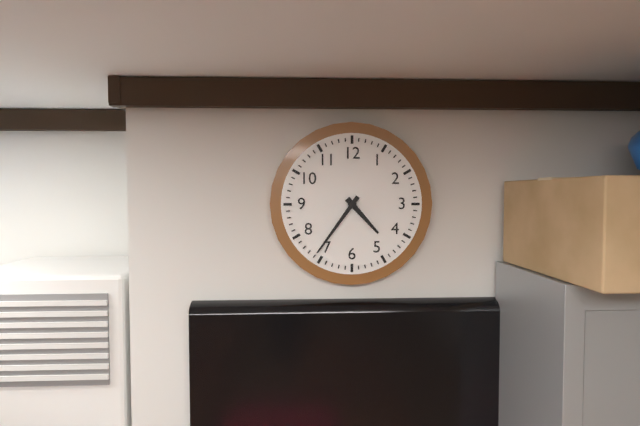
4.36
